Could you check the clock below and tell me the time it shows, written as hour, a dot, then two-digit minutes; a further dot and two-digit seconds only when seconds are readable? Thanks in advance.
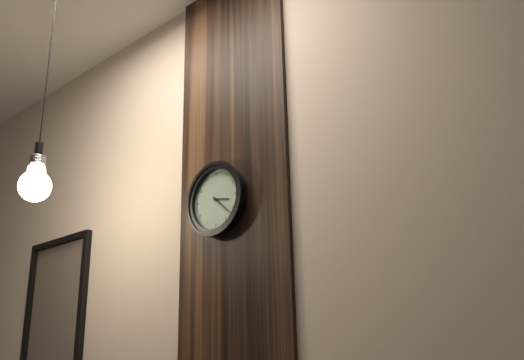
3.22
